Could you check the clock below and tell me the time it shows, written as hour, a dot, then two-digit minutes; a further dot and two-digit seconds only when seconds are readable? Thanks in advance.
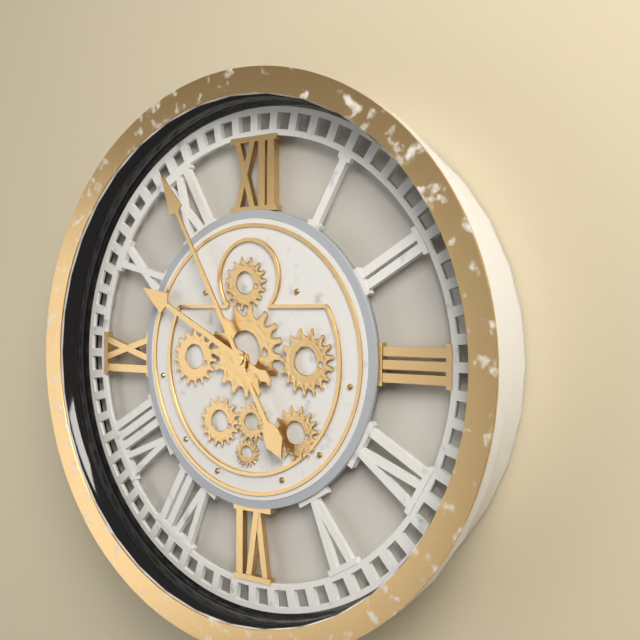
9.55
